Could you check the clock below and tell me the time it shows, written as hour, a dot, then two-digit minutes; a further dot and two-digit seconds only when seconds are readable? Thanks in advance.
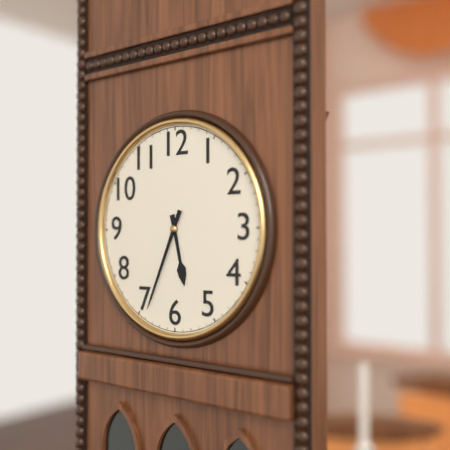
5.34
